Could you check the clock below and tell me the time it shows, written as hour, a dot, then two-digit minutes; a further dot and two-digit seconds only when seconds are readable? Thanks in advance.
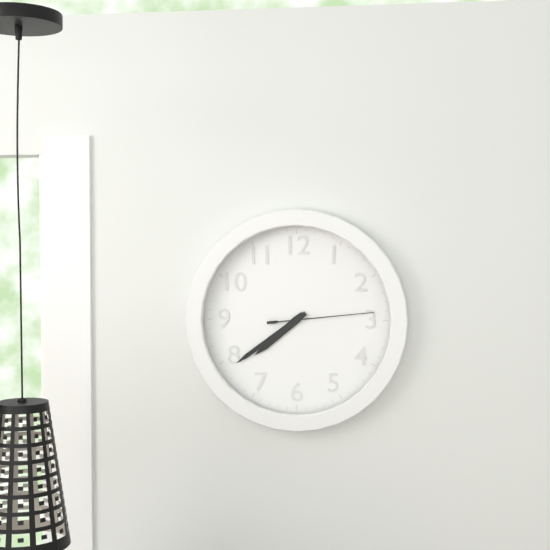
7.39.14
